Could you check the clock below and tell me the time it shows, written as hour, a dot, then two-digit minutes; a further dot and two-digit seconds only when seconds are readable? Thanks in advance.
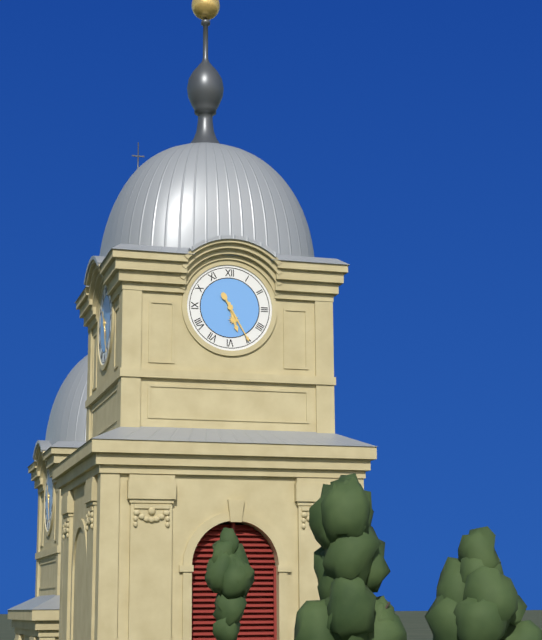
5.25
